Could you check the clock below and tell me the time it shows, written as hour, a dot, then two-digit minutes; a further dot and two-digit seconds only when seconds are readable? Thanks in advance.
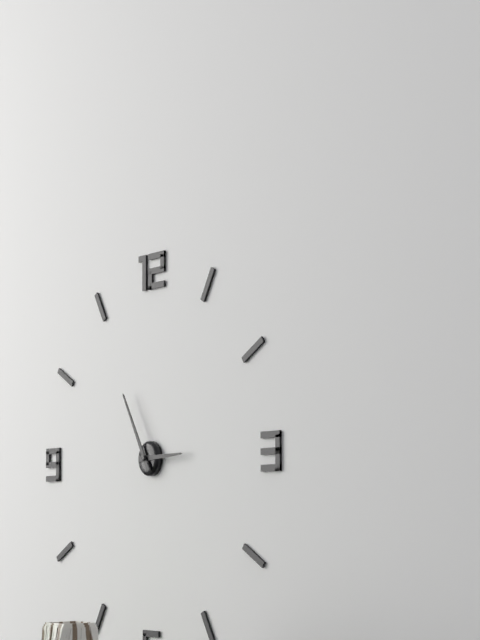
2.55
